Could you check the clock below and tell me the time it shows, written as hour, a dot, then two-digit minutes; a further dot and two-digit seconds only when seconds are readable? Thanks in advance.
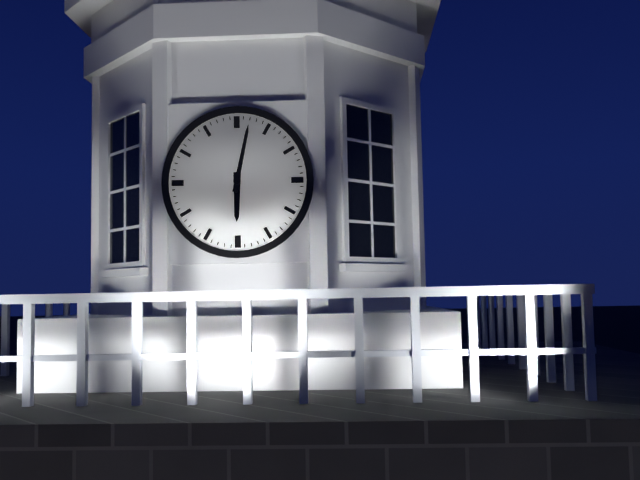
6.02
